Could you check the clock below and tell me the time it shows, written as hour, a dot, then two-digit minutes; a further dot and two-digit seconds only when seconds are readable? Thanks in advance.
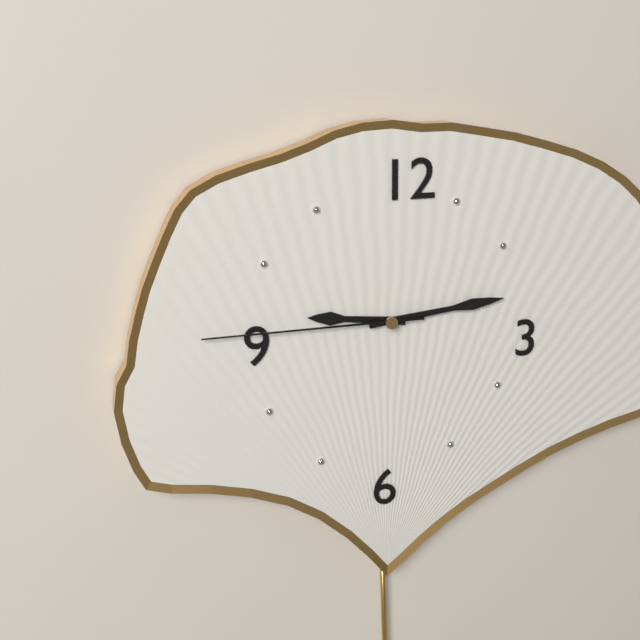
9.14.45
